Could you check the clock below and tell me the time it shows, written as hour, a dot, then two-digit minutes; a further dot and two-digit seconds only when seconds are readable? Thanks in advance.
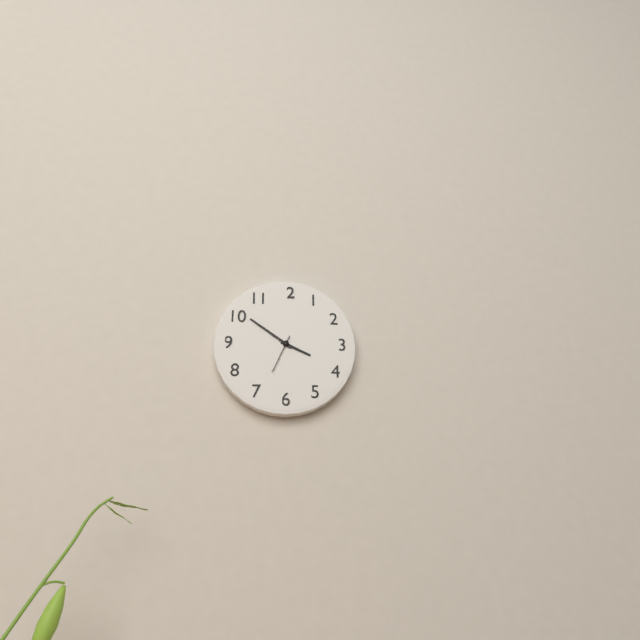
3.51
